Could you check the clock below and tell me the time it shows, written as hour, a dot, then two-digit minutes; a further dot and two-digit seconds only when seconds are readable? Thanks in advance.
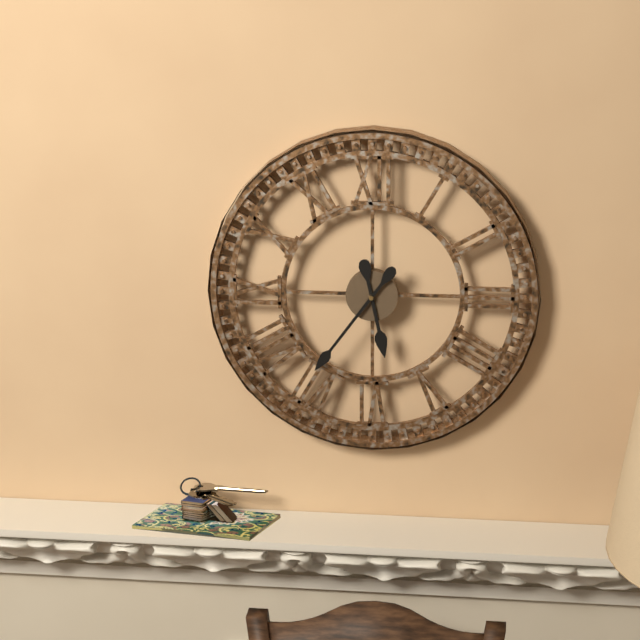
5.36
